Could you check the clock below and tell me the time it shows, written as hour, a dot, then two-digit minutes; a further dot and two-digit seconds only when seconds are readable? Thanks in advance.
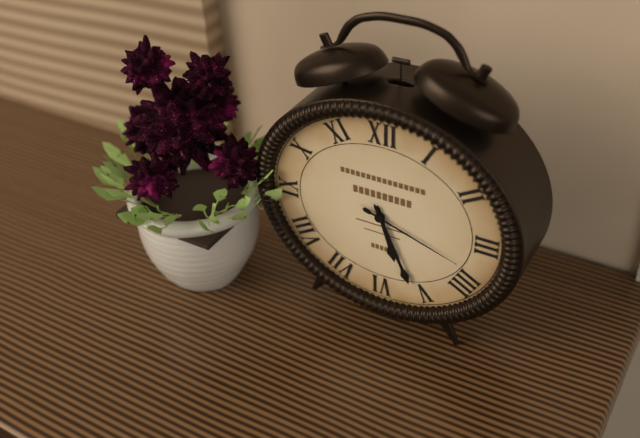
5.26.18
